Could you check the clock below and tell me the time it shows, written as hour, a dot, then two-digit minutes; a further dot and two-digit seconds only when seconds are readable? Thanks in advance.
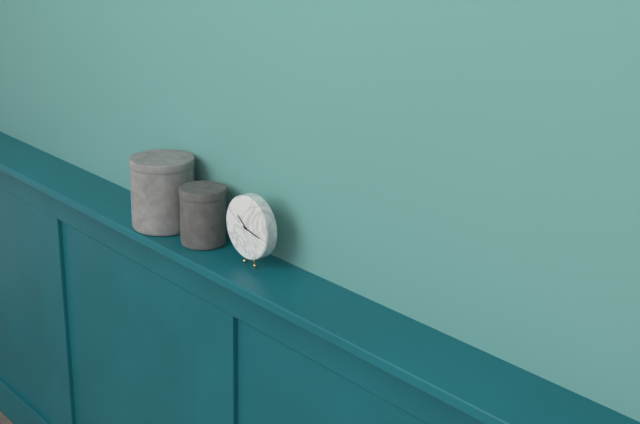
10.17
